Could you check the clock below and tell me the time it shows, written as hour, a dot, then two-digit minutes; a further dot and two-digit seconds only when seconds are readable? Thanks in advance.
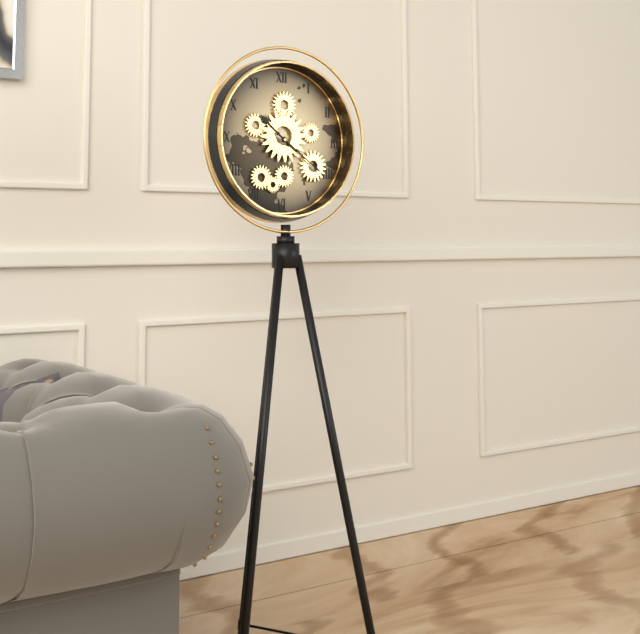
10.21
